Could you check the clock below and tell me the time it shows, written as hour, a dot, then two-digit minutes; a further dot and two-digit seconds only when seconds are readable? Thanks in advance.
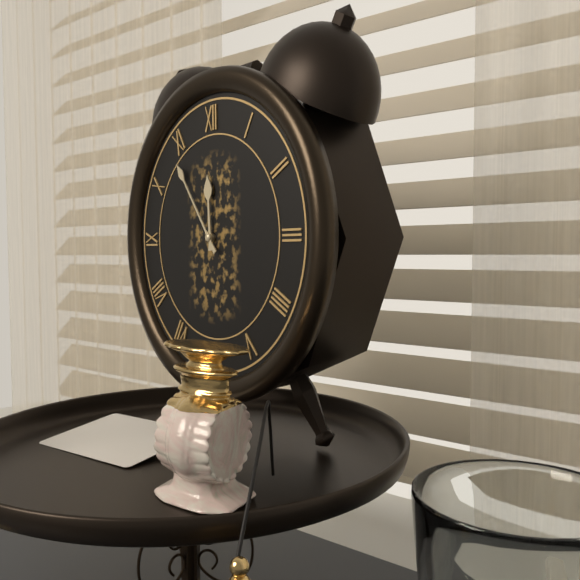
11.54
